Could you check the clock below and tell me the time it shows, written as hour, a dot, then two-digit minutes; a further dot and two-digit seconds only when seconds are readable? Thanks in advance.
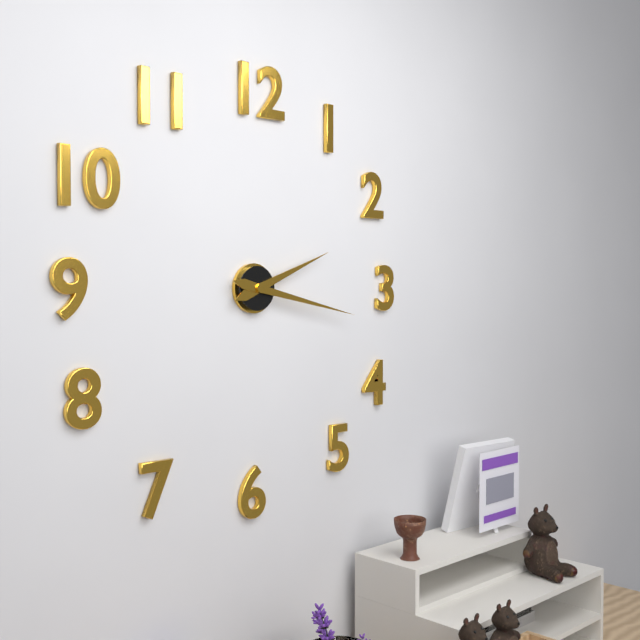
2.17
